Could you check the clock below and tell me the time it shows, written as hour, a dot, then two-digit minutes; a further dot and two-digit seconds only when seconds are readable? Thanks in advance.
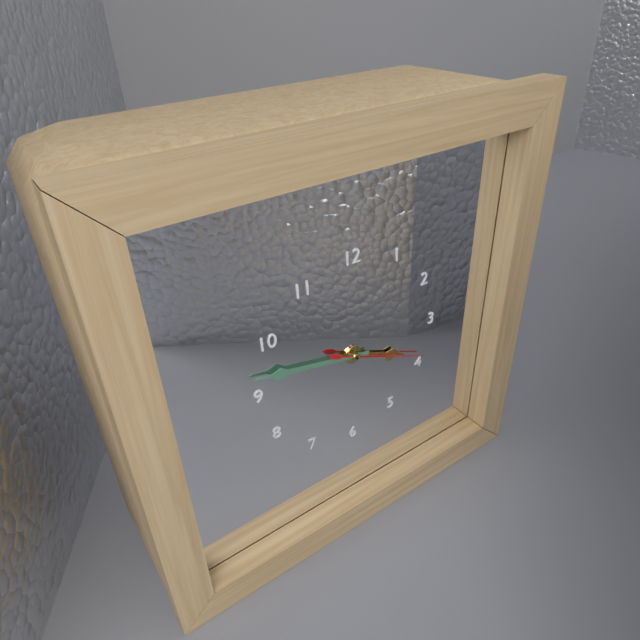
3.47.19
